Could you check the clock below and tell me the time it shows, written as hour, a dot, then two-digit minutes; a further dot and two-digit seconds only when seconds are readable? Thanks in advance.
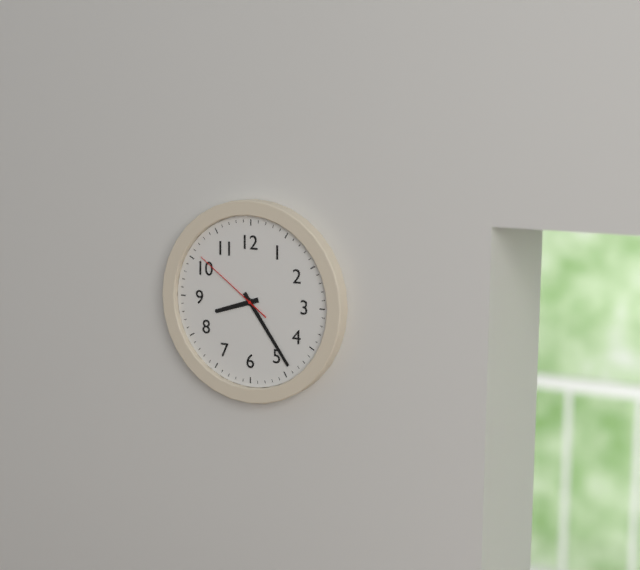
8.24.51
